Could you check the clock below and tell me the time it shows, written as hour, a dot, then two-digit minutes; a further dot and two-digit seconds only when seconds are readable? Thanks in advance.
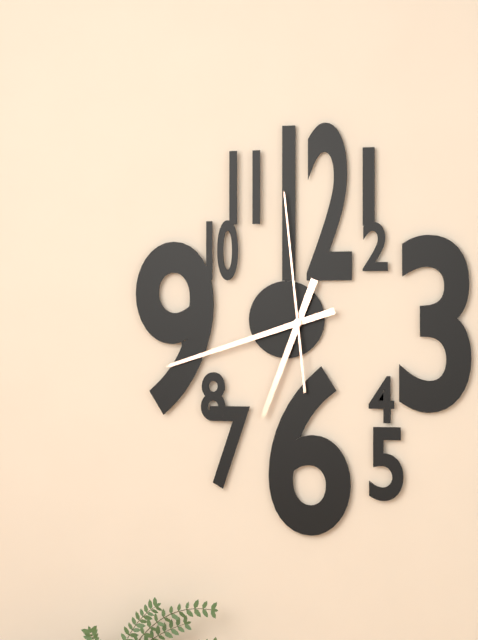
6.42.59
